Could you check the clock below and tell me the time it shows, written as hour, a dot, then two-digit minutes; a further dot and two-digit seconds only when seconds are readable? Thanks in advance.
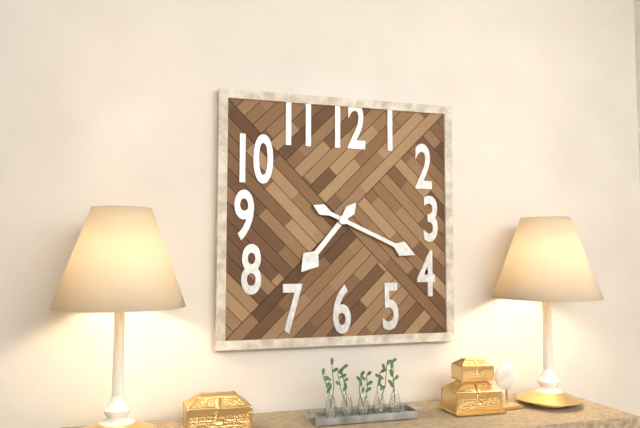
7.19
